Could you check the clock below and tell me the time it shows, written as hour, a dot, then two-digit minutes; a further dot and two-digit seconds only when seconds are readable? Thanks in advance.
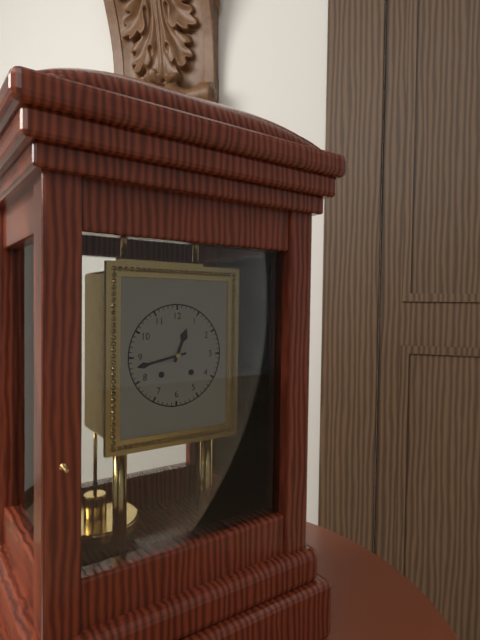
12.43
